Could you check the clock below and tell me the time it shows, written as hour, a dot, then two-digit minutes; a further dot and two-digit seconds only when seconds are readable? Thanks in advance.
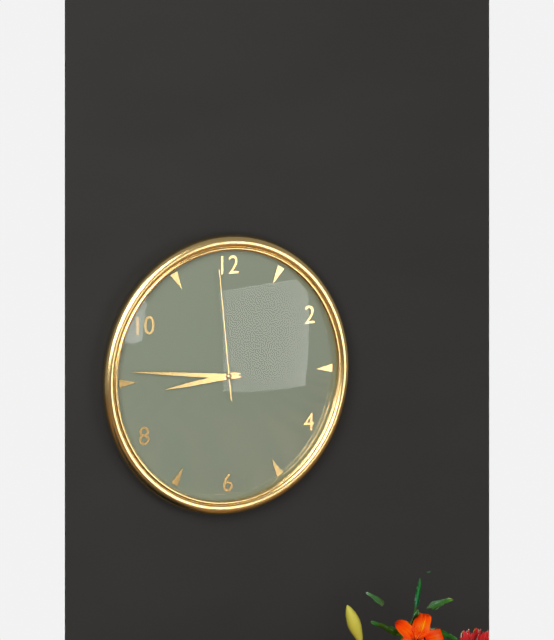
8.46.59
